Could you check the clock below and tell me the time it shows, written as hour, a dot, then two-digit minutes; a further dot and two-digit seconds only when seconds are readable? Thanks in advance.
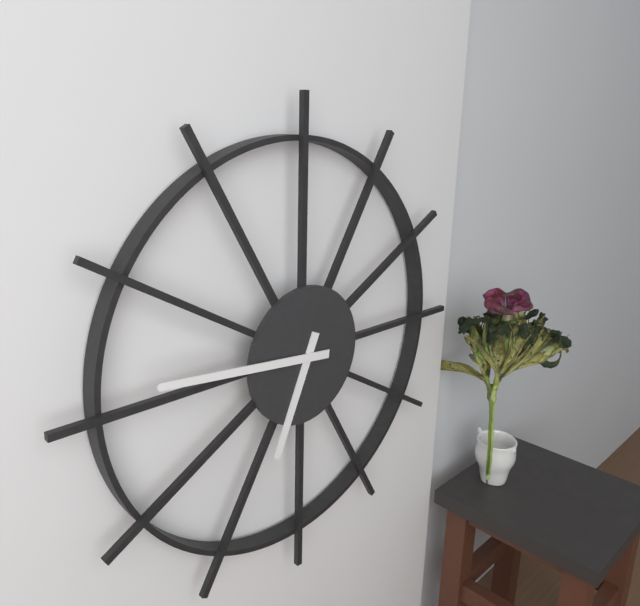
6.46
